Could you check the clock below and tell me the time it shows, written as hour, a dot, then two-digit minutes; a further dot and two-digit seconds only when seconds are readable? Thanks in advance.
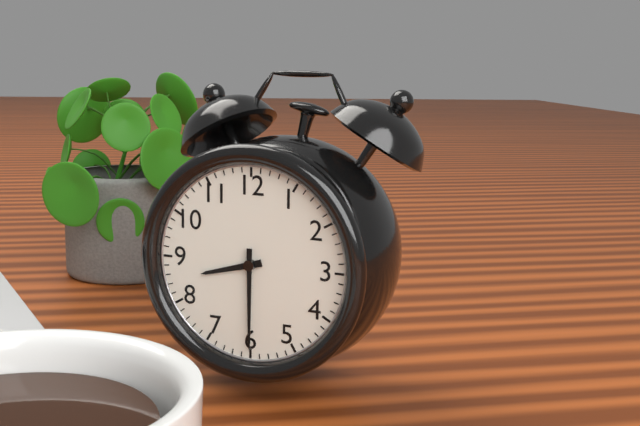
8.30
